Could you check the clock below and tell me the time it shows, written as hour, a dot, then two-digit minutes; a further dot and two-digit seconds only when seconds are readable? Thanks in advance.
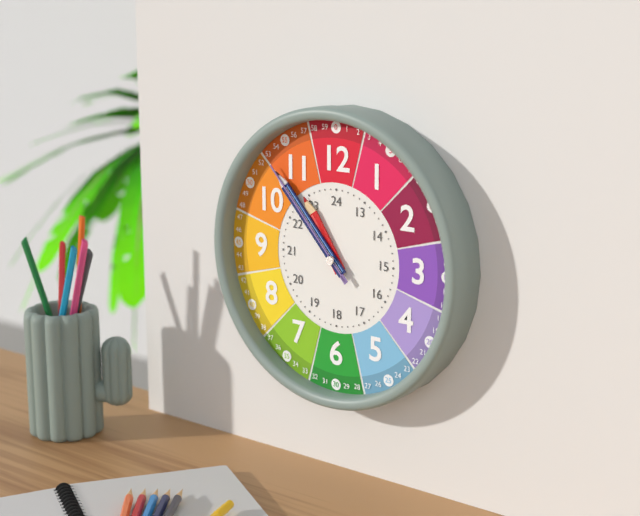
10.53.53
